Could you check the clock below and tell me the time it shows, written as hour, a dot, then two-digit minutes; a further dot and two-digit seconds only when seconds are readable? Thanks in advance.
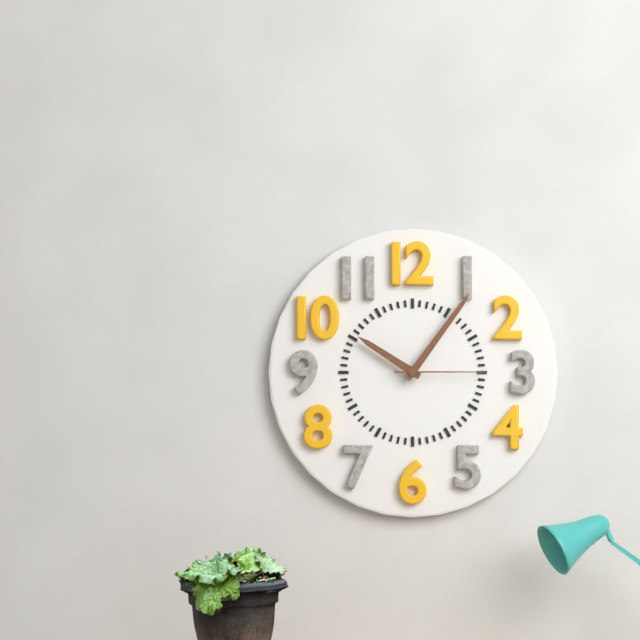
10.06.15
